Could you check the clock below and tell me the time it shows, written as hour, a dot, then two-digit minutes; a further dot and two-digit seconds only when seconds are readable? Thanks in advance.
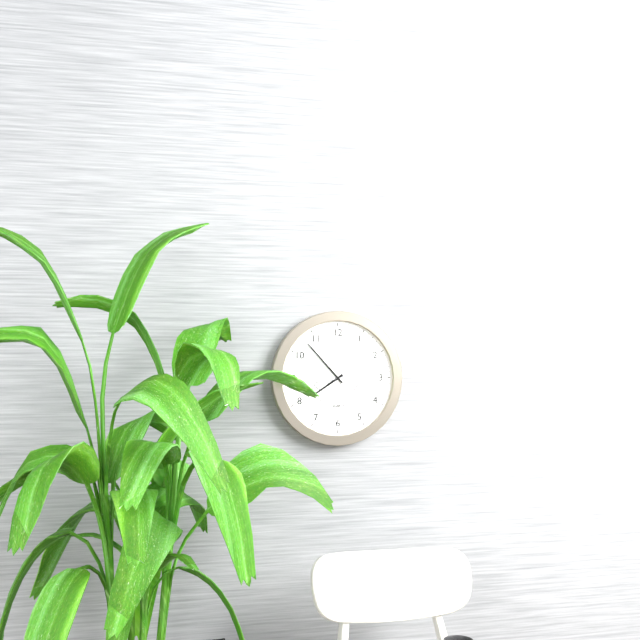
7.53.12
